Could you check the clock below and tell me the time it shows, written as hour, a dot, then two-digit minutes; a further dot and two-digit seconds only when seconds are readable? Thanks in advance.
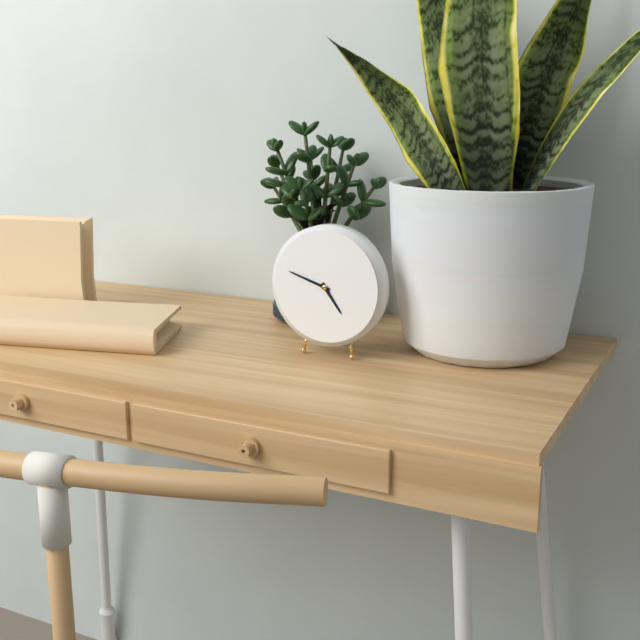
4.48
